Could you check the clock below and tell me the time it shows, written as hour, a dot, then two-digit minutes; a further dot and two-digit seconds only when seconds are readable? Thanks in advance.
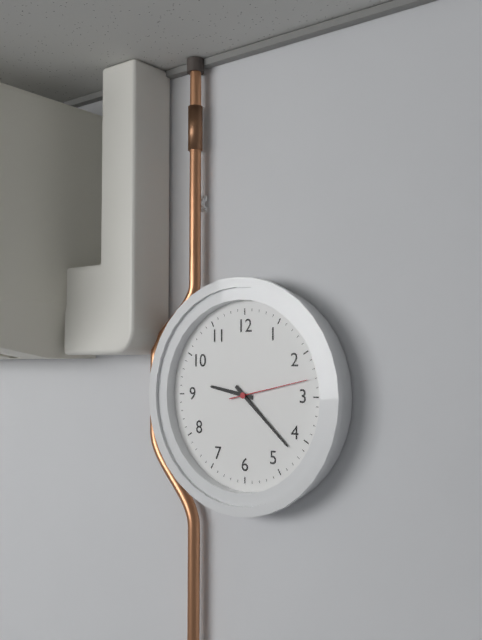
9.22.13
